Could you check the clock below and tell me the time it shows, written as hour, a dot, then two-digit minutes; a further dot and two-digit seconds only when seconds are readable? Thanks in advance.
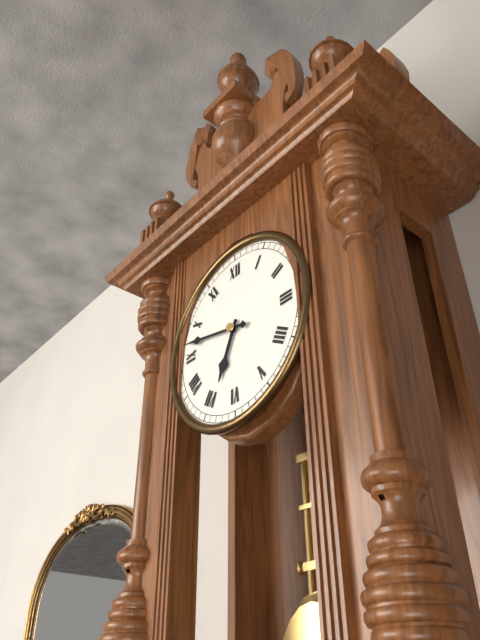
6.47
